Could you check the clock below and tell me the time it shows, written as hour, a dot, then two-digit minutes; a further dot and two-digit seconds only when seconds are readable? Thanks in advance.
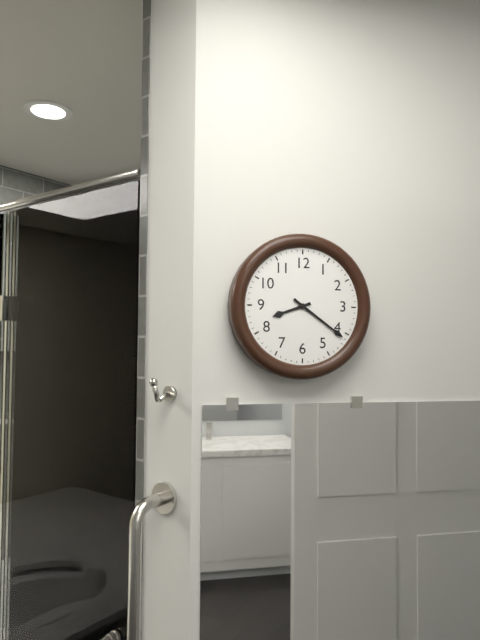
8.21
